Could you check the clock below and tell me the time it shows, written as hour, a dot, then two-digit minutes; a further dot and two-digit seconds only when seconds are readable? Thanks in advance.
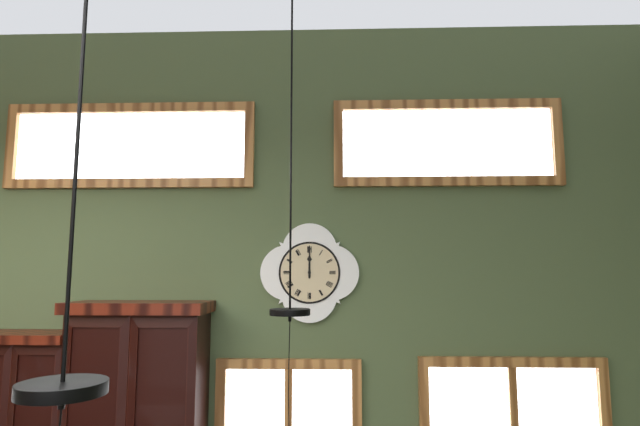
12.00
